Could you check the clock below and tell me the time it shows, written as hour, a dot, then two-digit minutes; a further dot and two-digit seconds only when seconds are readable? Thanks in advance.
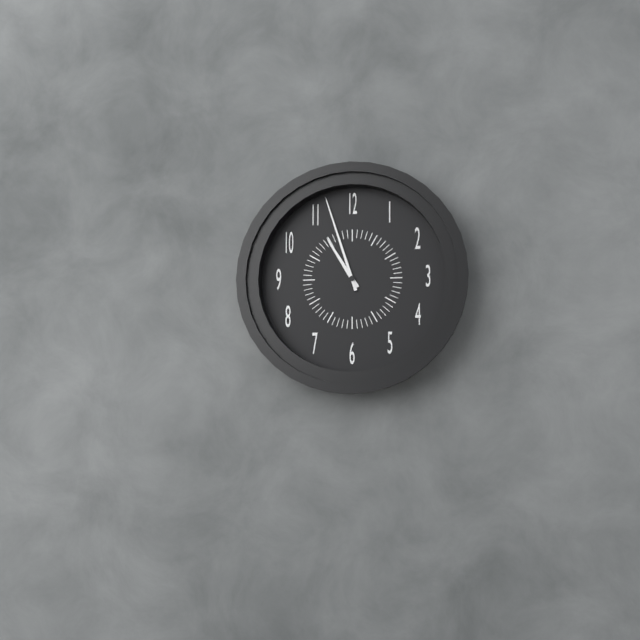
10.57
